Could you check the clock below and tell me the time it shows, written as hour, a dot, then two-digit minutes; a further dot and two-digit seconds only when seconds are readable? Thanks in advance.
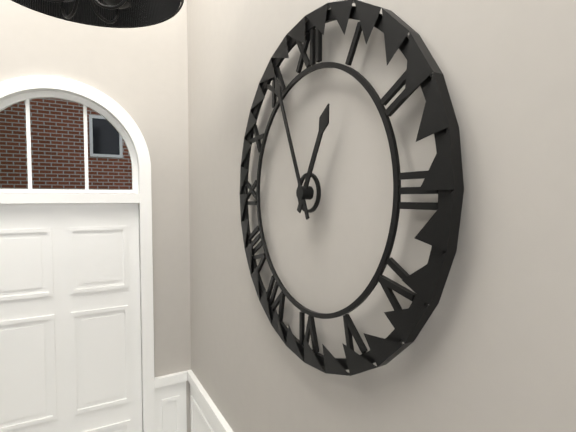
12.56
